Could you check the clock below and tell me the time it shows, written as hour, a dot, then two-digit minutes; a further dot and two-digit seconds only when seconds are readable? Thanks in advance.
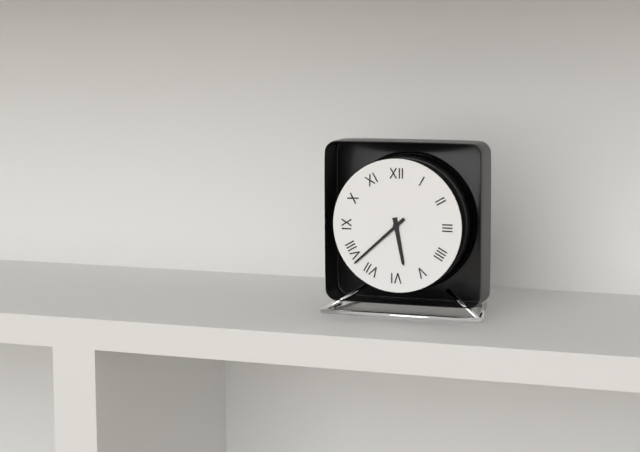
5.38
